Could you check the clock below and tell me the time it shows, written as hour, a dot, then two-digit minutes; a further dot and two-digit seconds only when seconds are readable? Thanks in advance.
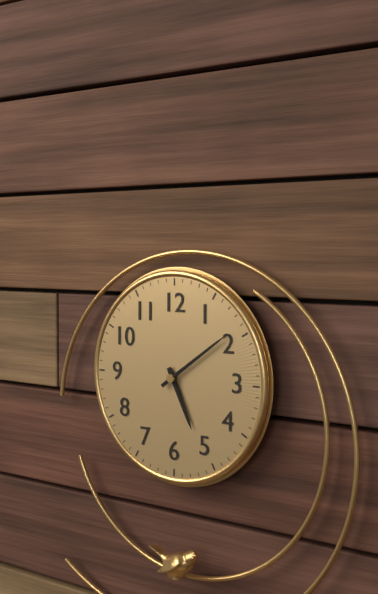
5.09
